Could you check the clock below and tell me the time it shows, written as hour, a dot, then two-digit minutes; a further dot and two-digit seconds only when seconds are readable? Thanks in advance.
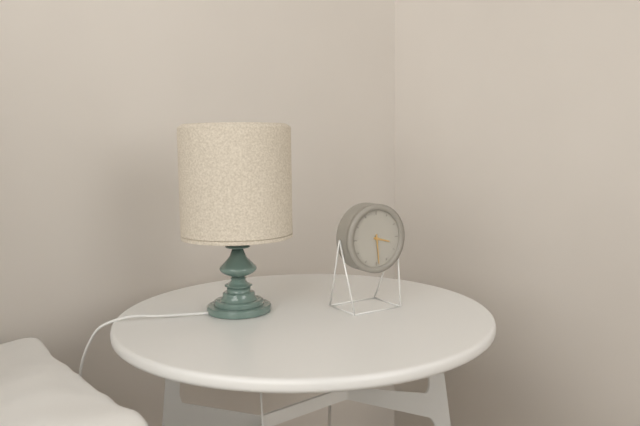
3.29
